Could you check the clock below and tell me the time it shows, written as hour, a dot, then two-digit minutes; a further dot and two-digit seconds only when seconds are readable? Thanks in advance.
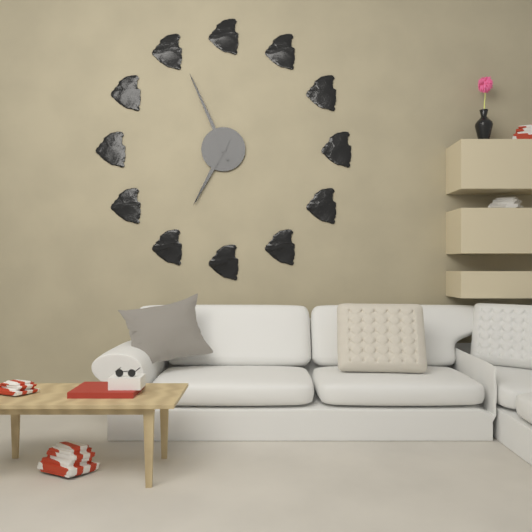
6.56
